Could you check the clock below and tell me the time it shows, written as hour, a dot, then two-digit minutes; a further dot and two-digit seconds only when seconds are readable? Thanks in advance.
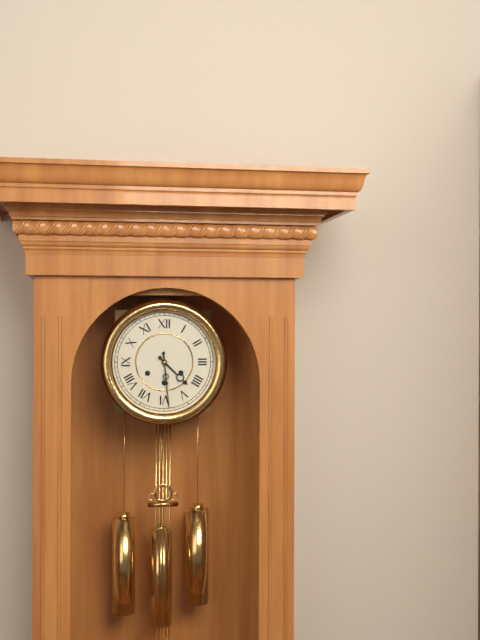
4.29
